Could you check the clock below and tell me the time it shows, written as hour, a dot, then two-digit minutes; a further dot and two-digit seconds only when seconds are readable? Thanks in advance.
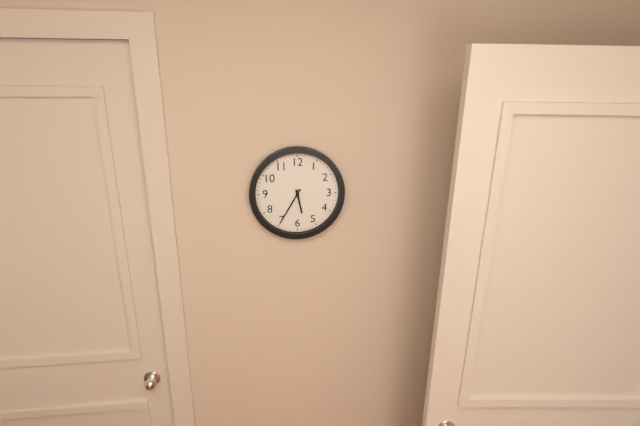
5.35
